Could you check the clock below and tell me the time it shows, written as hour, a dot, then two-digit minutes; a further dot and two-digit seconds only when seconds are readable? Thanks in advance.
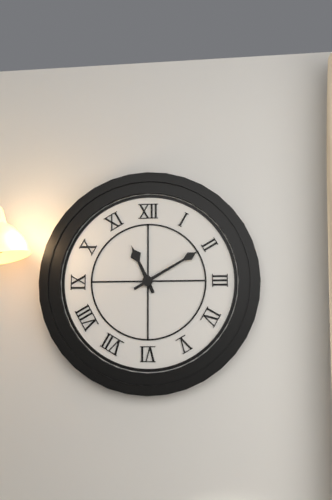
11.10
